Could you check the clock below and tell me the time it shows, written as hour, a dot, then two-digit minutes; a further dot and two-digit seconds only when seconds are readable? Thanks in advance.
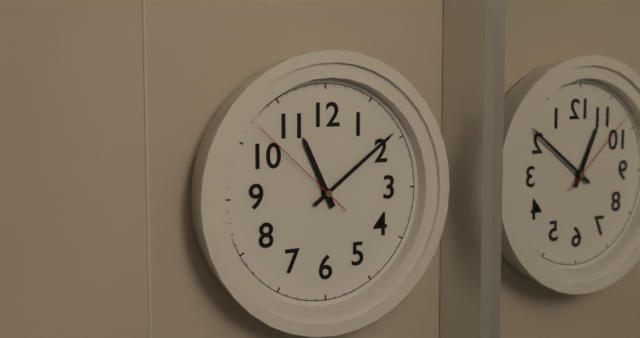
11.09.52
